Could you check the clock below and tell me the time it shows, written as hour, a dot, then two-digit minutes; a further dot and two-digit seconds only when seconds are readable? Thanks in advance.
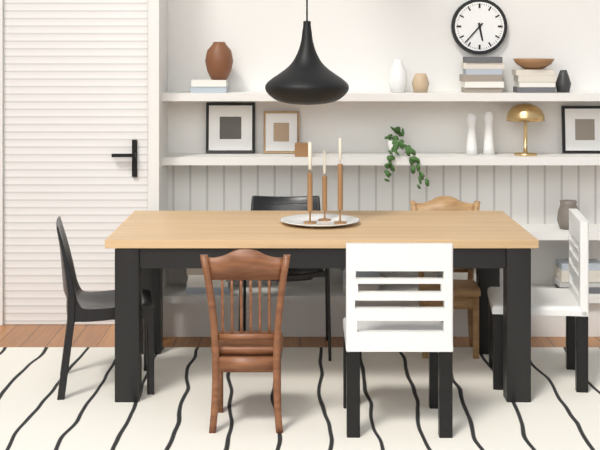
5.37
